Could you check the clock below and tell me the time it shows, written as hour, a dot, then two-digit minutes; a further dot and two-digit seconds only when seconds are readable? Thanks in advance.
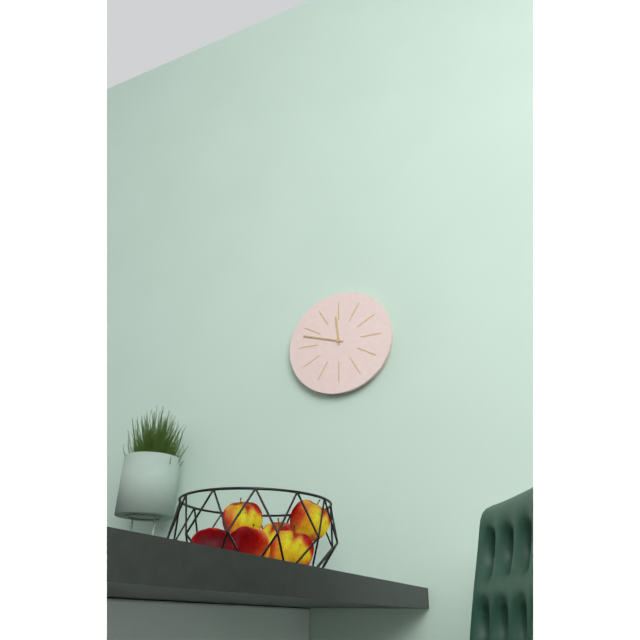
11.48
